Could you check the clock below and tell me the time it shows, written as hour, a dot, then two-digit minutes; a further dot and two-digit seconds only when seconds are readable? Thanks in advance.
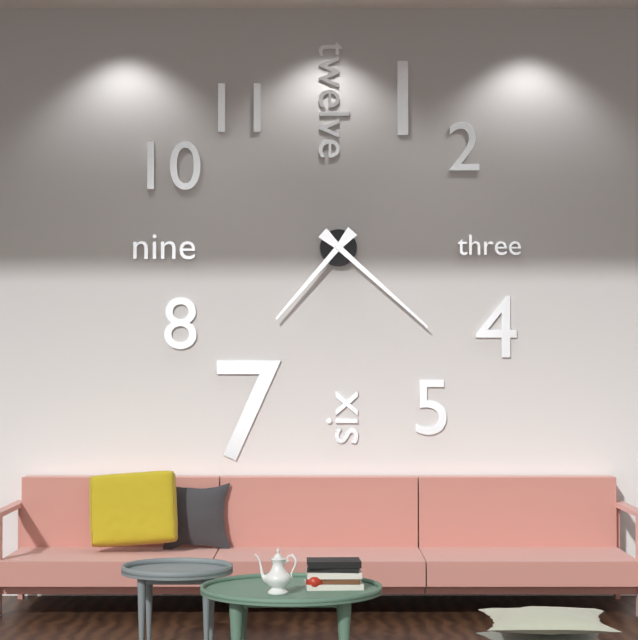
7.22
